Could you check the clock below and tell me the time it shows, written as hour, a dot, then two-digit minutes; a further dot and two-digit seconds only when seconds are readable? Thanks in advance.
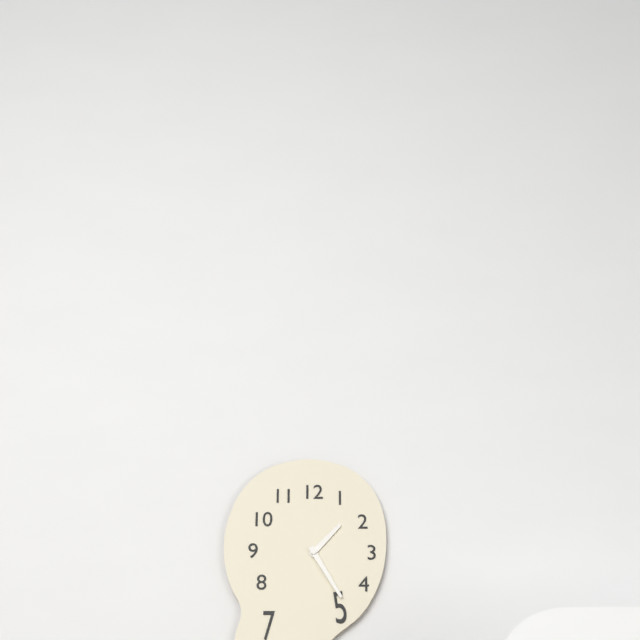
1.25
